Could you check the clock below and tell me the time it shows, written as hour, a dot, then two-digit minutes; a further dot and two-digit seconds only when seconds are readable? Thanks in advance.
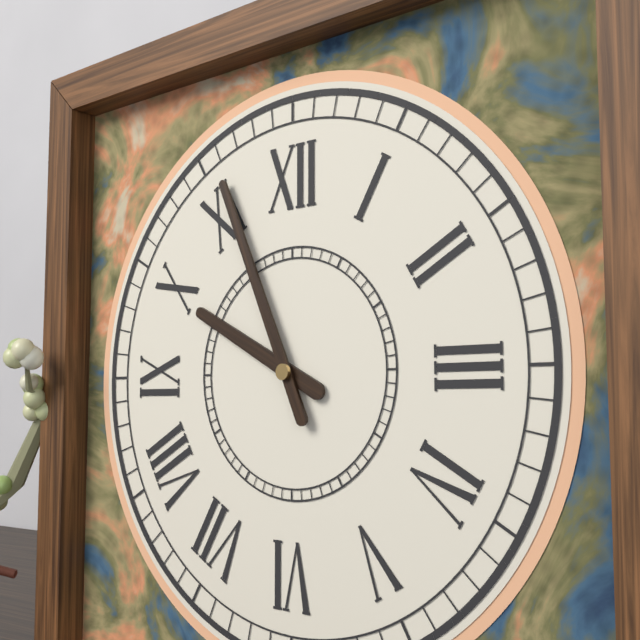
9.56
